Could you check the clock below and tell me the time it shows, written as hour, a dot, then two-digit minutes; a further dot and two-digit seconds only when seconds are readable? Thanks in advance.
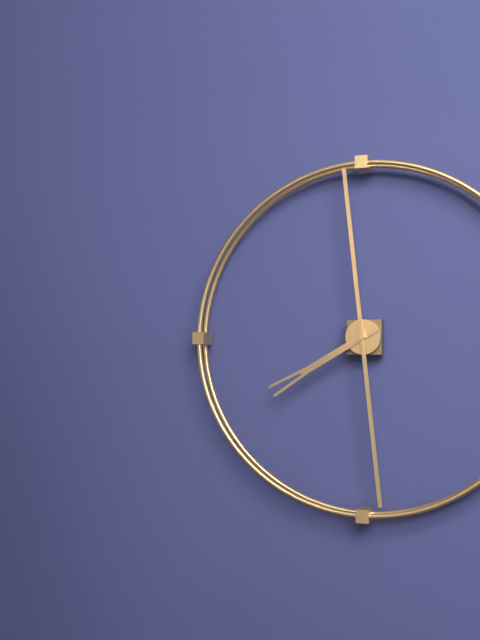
7.59
